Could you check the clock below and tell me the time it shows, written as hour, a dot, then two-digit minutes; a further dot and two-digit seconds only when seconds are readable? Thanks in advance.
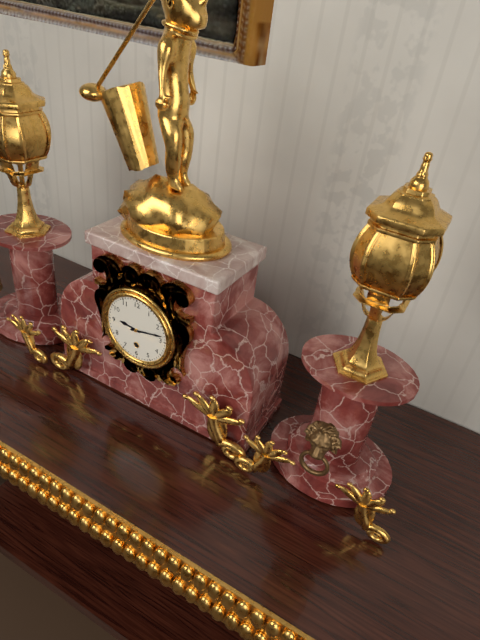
9.13
